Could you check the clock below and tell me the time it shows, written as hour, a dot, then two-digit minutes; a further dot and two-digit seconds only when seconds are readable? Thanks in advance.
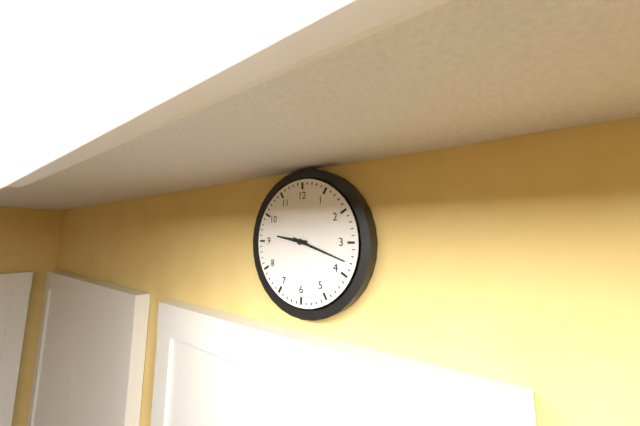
9.18
